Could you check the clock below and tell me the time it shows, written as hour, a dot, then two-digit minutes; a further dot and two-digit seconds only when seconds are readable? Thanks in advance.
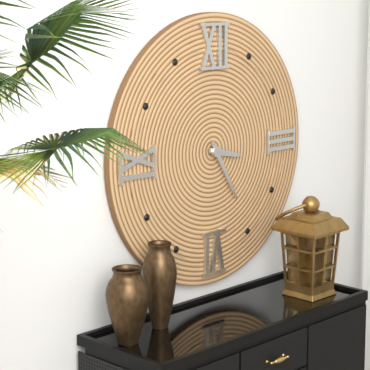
3.25
